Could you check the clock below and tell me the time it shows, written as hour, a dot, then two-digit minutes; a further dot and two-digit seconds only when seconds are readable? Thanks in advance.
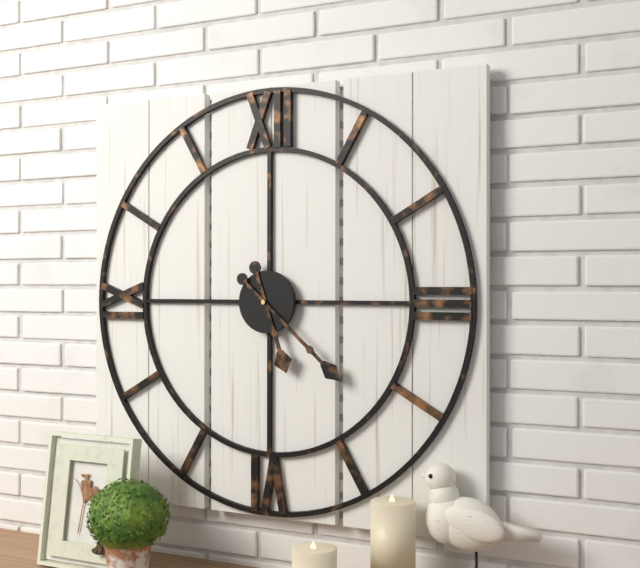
5.22
